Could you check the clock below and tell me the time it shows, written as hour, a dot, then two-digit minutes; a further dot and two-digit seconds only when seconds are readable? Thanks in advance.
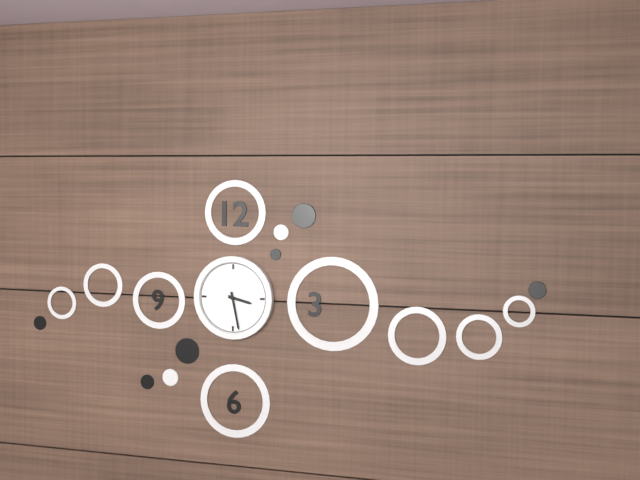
3.28
